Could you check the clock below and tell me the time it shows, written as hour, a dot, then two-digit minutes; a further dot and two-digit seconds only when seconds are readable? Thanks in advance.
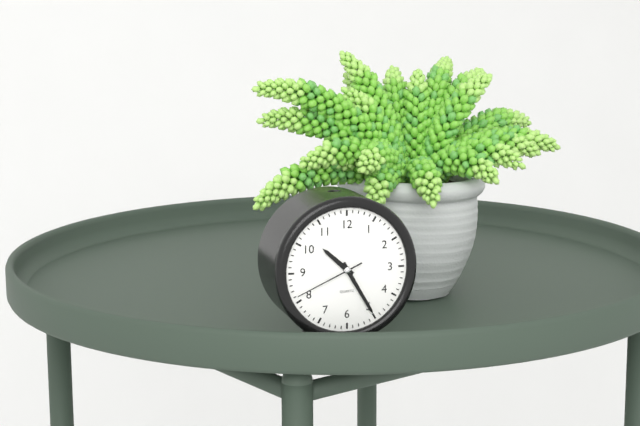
10.25.41
